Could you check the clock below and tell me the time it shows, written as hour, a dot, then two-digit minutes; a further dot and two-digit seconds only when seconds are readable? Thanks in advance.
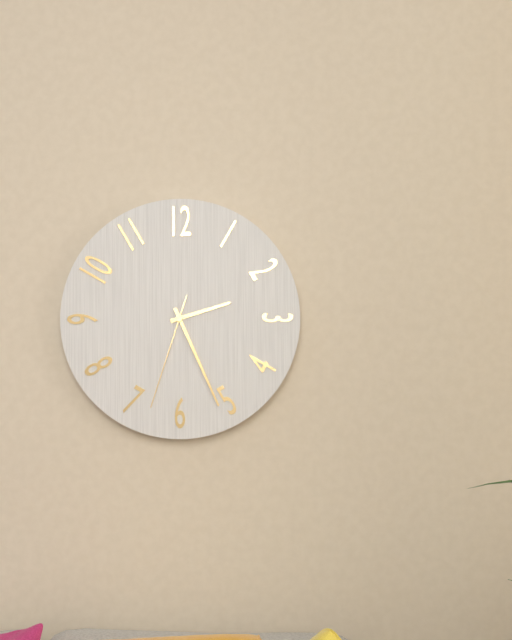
2.26.33
